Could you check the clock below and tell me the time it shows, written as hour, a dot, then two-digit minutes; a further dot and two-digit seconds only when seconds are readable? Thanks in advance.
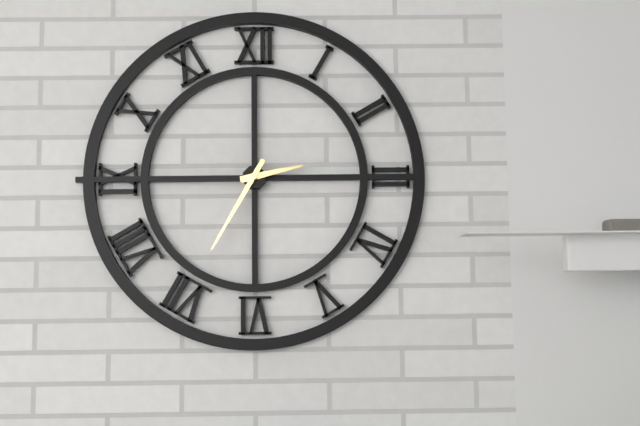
2.35
